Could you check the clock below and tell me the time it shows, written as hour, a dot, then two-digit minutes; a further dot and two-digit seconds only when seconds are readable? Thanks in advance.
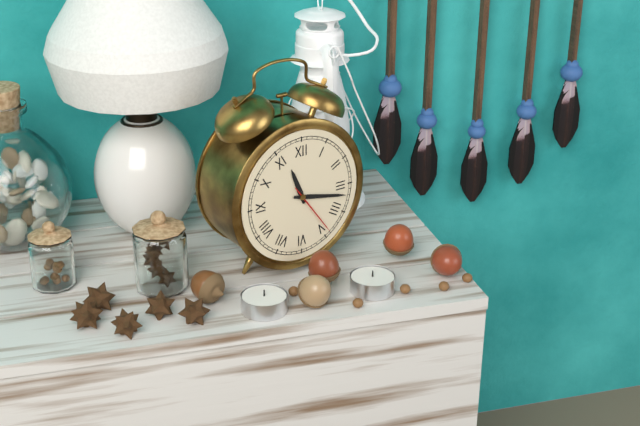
11.17.24
